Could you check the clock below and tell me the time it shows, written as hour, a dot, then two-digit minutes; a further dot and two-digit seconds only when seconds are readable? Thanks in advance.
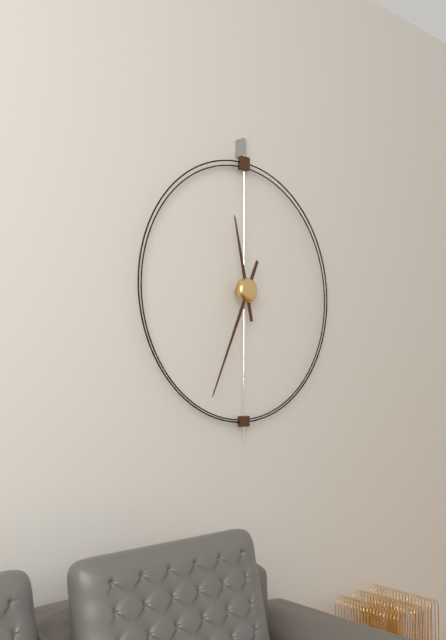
11.34
